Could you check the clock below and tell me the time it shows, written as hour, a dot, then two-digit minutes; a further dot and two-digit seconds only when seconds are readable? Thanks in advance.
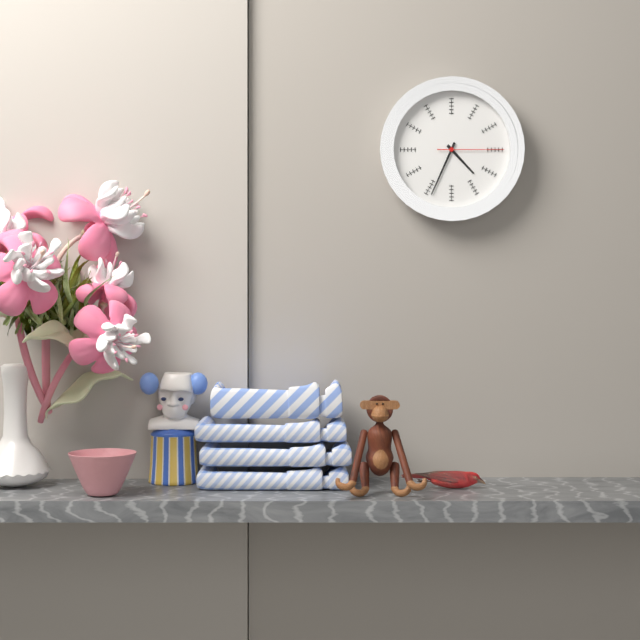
4.34.15
